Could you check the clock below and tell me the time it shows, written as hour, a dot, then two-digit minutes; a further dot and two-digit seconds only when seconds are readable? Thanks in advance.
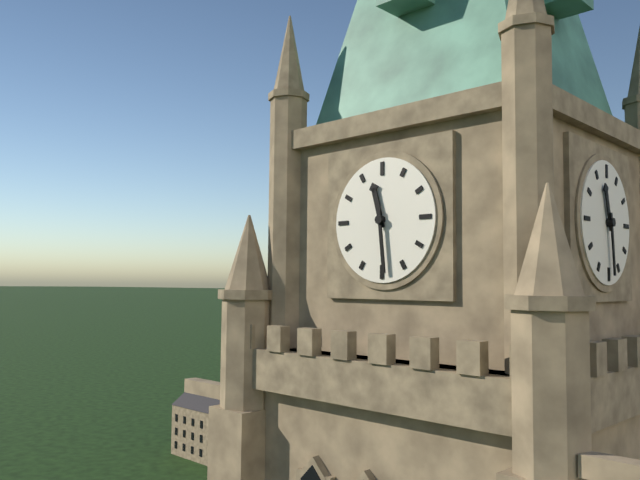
11.29
